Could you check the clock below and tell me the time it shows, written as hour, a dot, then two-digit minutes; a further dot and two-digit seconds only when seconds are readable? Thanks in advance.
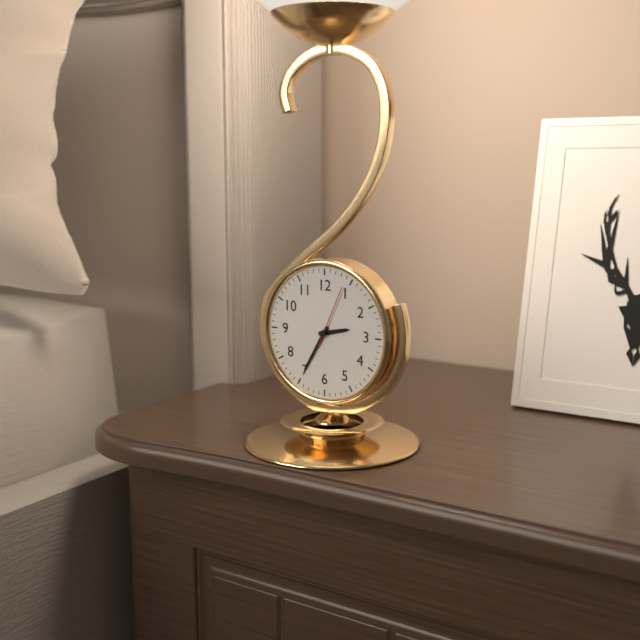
2.35.04
